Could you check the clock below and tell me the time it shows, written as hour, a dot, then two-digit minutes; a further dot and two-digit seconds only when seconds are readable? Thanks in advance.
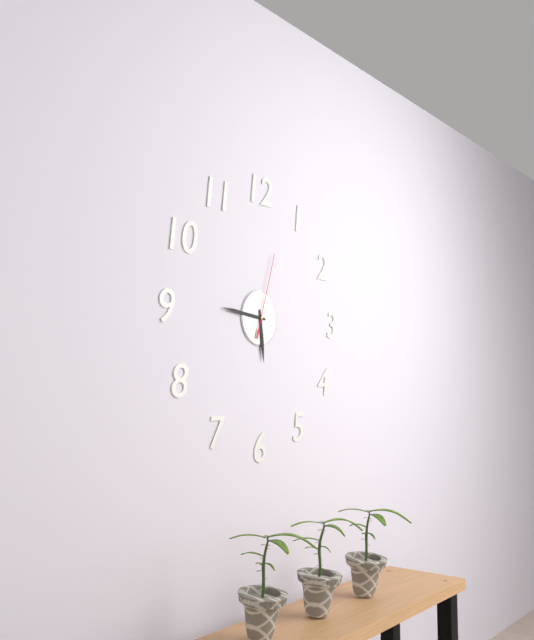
5.46.03
